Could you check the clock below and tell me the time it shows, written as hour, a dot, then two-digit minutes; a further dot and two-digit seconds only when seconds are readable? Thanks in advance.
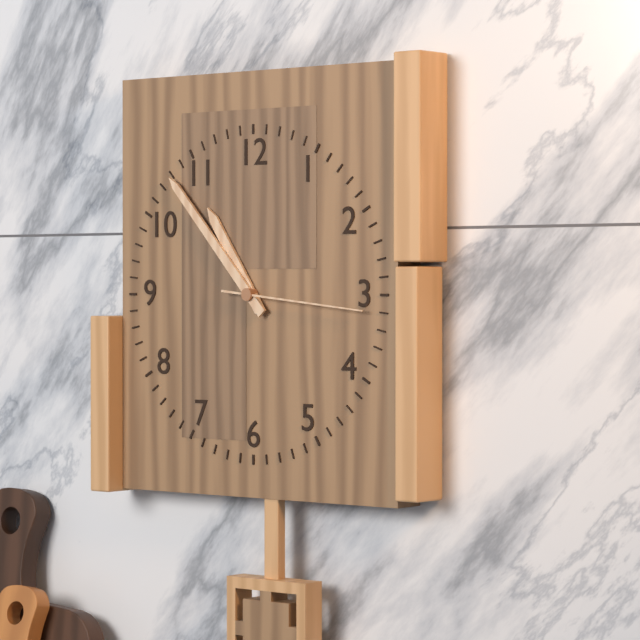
10.53.16
